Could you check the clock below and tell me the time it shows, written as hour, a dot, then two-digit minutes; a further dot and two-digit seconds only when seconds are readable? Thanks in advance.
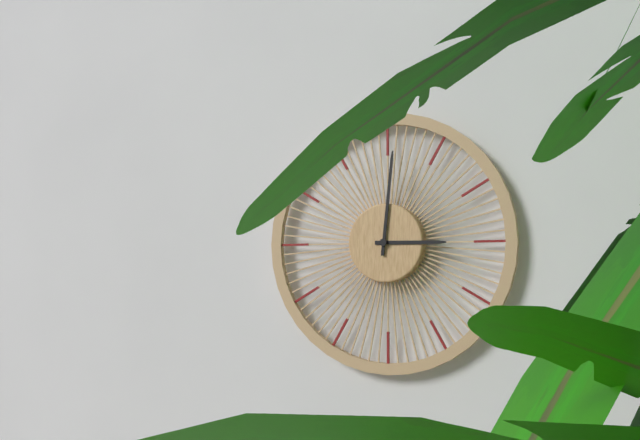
3.01
